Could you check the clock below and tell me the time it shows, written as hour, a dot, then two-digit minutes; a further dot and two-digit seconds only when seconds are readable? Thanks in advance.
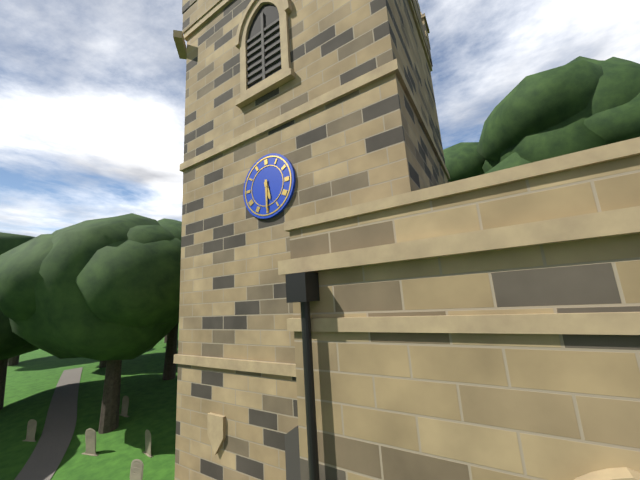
5.30
